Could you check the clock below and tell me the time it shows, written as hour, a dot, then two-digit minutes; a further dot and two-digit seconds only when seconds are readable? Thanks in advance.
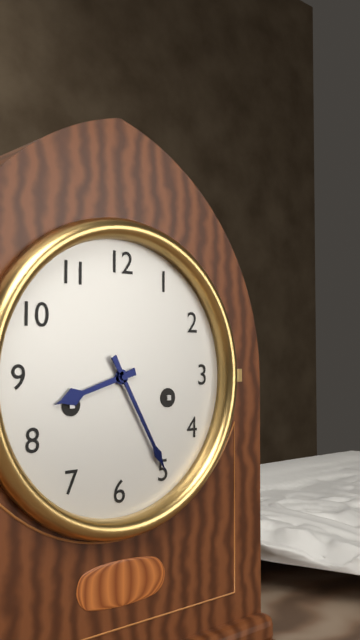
8.25
